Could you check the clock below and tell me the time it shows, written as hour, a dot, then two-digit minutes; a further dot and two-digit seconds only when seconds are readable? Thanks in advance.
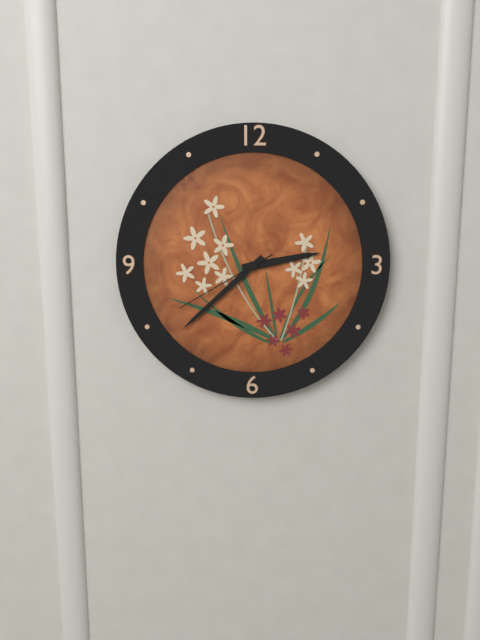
2.38.40
